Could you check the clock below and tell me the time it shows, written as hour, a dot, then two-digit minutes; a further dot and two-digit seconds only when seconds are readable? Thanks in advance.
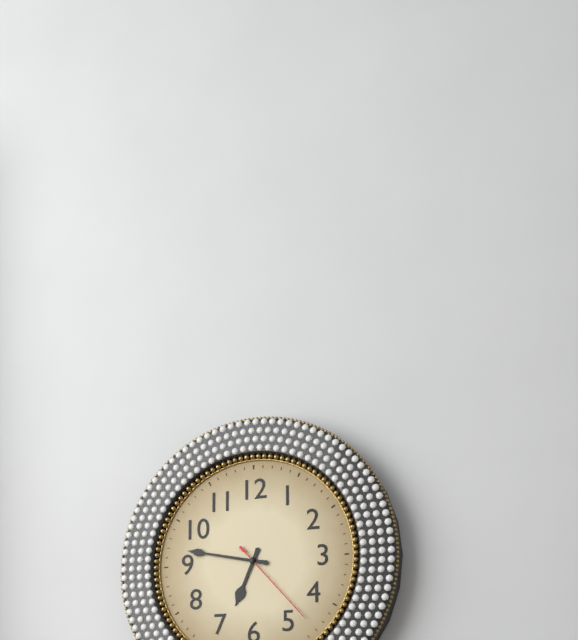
6.47.23
